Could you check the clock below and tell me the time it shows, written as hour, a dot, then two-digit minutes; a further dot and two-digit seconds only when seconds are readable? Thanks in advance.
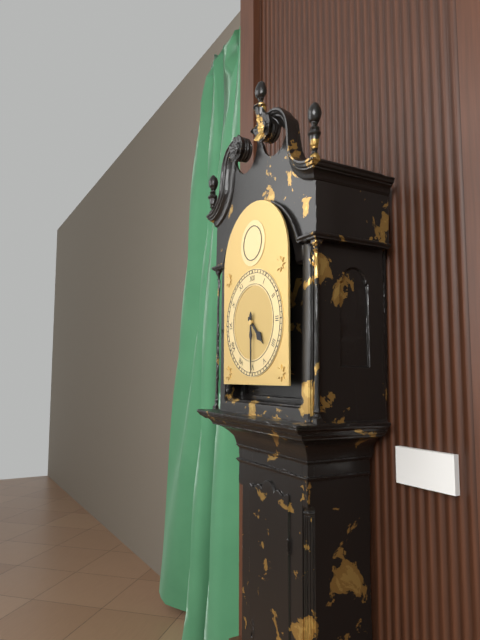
4.30
